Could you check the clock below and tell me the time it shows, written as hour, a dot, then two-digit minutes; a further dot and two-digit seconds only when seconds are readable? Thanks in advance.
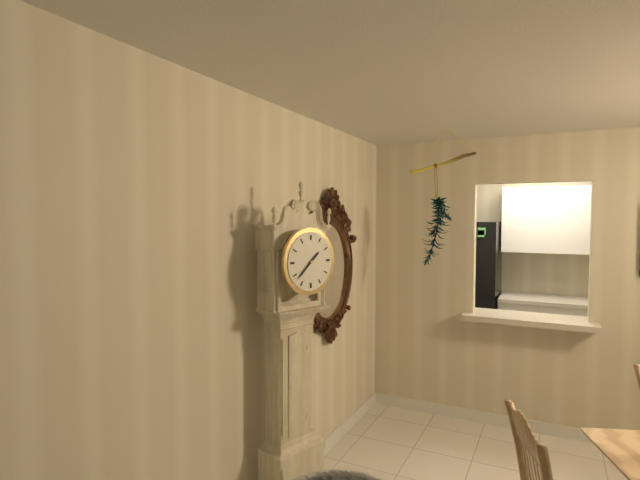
1.38
